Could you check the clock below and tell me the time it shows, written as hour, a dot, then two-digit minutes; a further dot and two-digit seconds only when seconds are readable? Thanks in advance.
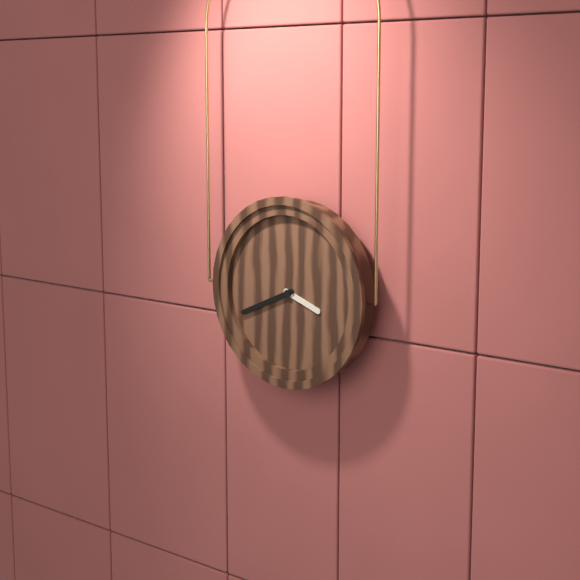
3.41
